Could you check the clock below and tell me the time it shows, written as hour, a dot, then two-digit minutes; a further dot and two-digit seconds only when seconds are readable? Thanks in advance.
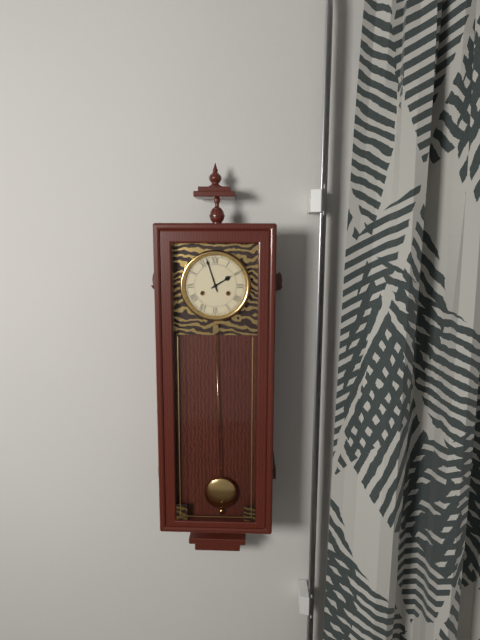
1.57
